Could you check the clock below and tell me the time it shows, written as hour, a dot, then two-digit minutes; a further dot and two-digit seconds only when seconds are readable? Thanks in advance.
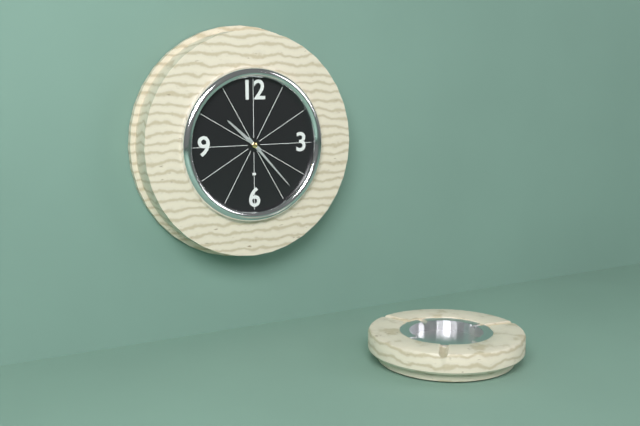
10.23
